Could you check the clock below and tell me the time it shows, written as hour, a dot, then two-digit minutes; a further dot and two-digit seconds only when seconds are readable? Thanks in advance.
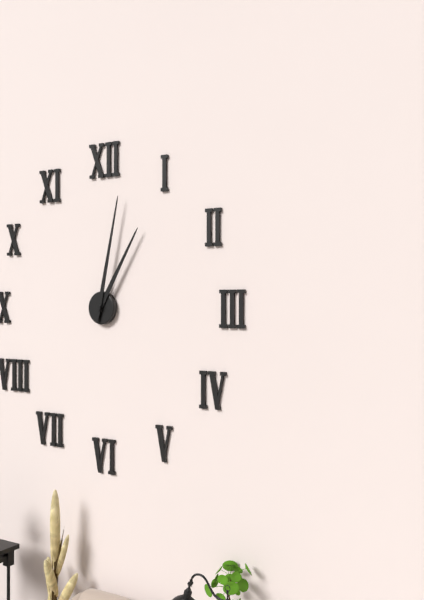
1.02
